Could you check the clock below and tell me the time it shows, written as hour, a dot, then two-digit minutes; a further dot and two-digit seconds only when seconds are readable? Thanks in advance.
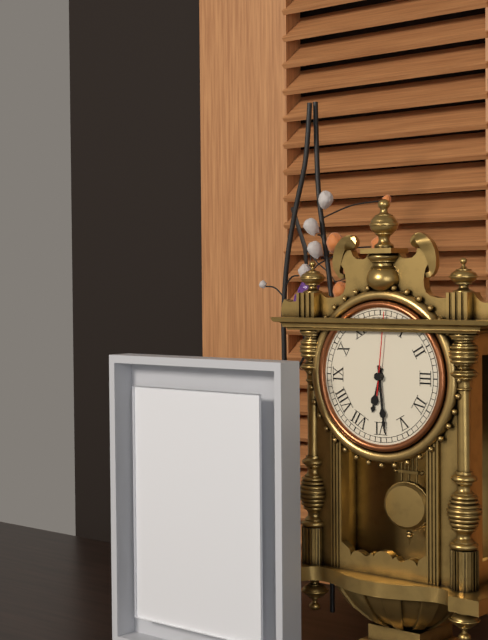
6.29.01
